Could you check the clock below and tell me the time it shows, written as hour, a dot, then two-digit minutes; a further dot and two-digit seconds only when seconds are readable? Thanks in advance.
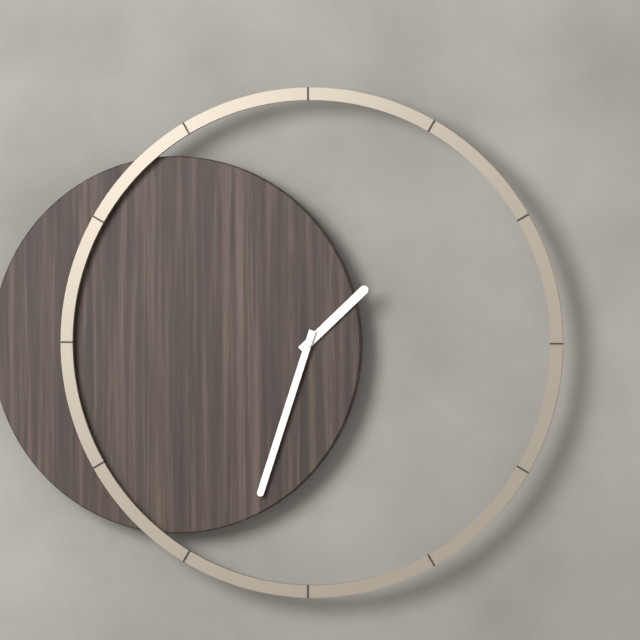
1.33
